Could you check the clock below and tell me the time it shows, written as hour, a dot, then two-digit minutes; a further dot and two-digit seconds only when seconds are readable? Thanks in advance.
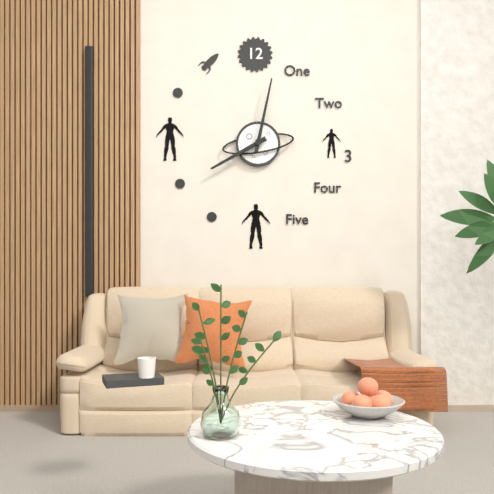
8.02
